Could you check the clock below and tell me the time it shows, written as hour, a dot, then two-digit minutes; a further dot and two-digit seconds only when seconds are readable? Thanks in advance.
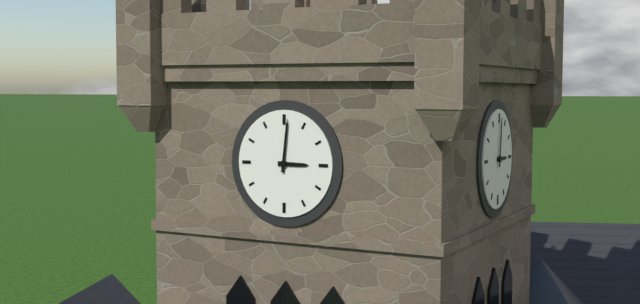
3.01
